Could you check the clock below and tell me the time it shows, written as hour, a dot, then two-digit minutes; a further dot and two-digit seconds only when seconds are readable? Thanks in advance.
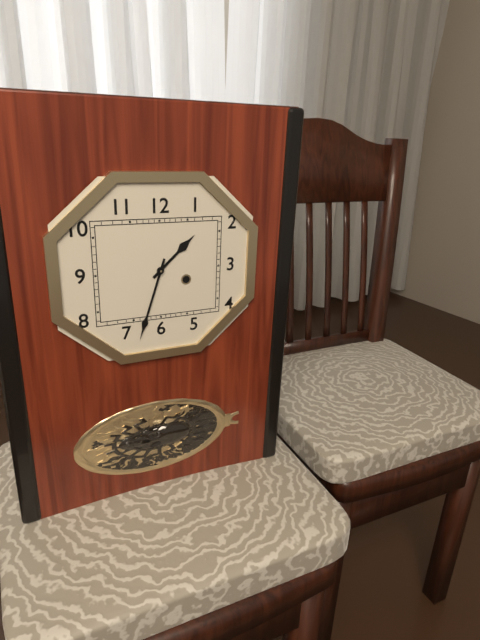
1.33
